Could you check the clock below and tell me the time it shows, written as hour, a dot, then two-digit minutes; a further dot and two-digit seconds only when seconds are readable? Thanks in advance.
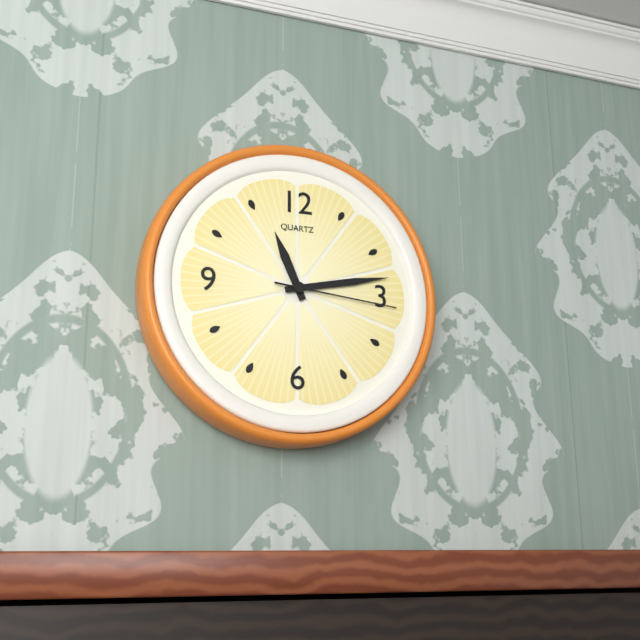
11.13.16
